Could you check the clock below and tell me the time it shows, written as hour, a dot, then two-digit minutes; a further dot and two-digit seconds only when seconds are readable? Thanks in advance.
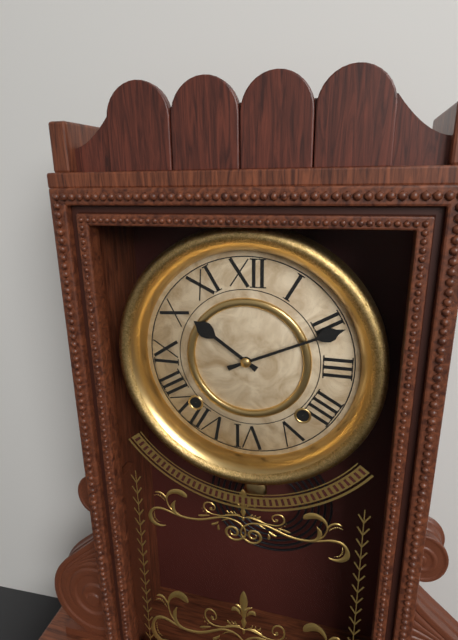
10.11
